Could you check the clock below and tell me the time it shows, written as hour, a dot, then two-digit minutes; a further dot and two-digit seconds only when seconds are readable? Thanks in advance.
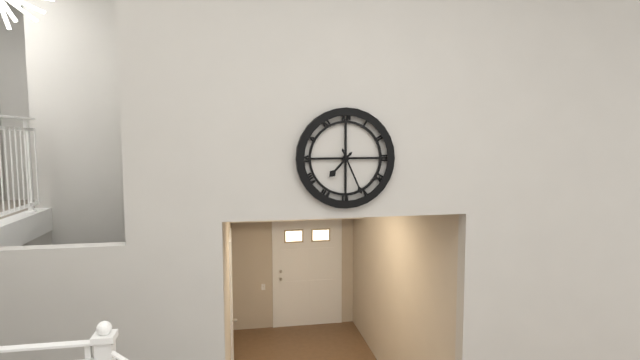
7.26
